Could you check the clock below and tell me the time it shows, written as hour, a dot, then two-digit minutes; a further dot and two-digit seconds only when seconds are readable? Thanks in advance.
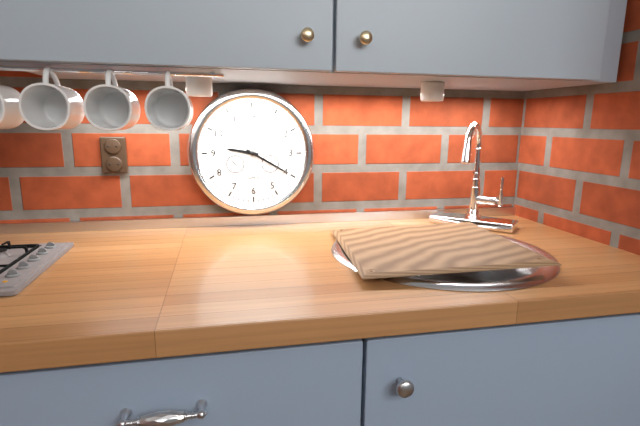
9.20
